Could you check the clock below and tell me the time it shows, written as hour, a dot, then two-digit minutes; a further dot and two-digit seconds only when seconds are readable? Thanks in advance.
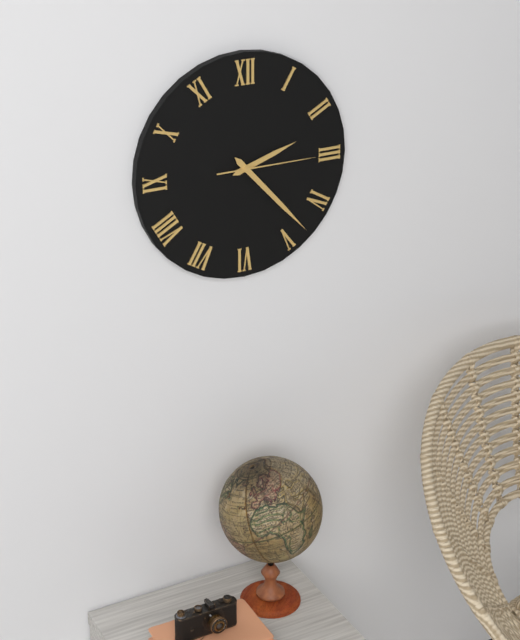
2.23.15
